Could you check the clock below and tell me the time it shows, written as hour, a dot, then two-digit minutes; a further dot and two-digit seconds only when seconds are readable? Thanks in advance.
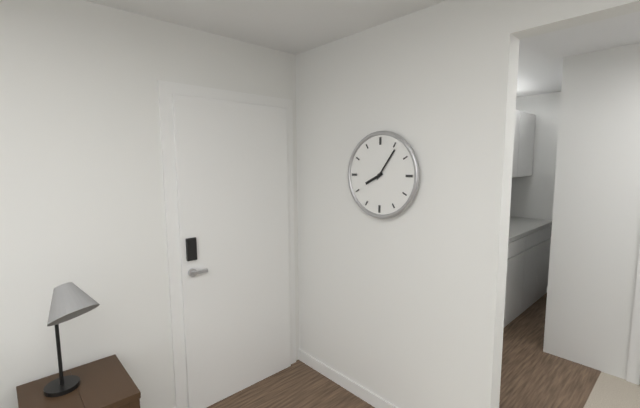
8.06
